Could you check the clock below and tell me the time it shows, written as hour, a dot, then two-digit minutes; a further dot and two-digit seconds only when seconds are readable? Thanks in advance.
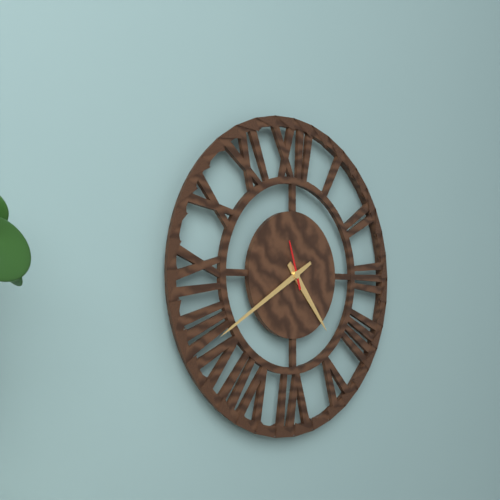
4.40
